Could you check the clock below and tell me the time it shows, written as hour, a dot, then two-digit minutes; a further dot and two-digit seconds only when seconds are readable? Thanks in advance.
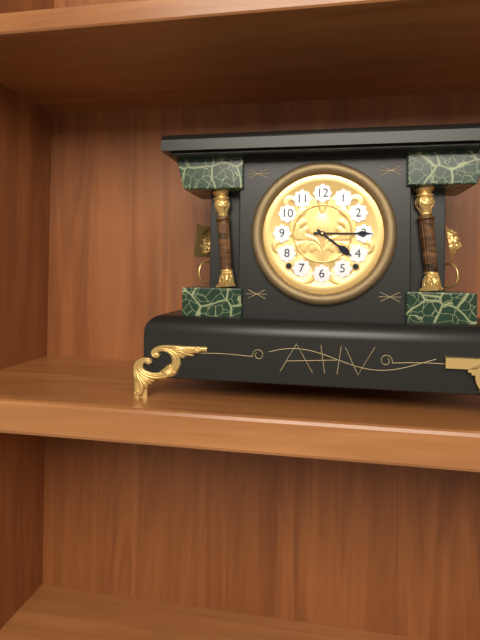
4.15
